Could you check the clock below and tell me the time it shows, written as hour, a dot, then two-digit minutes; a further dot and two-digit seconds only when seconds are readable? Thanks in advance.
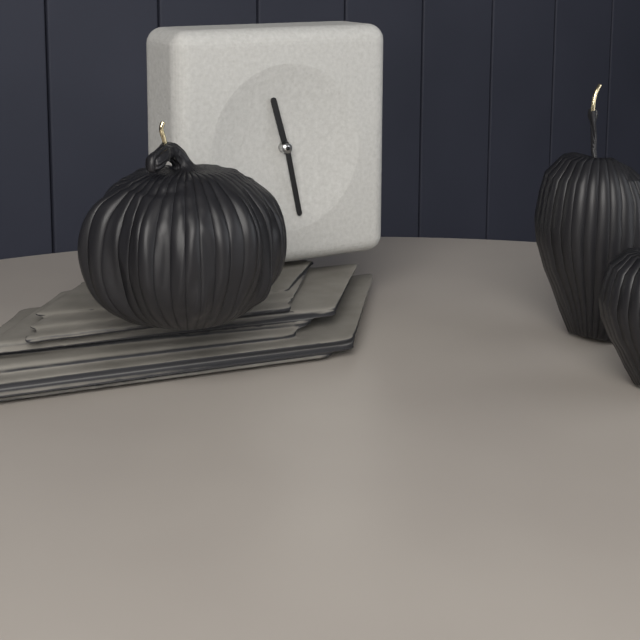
11.28
